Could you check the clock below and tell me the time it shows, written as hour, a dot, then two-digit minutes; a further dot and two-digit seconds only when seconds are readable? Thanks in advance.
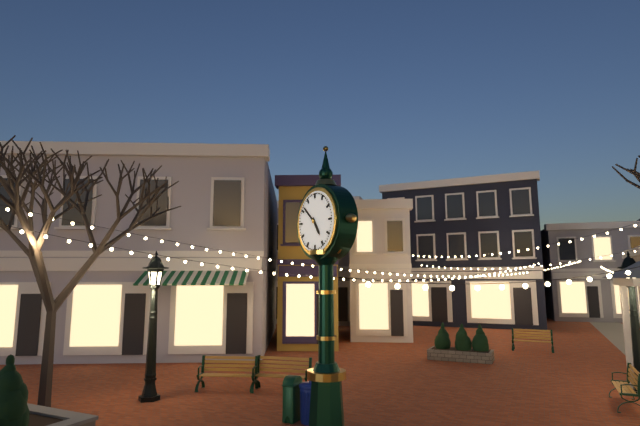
4.52
